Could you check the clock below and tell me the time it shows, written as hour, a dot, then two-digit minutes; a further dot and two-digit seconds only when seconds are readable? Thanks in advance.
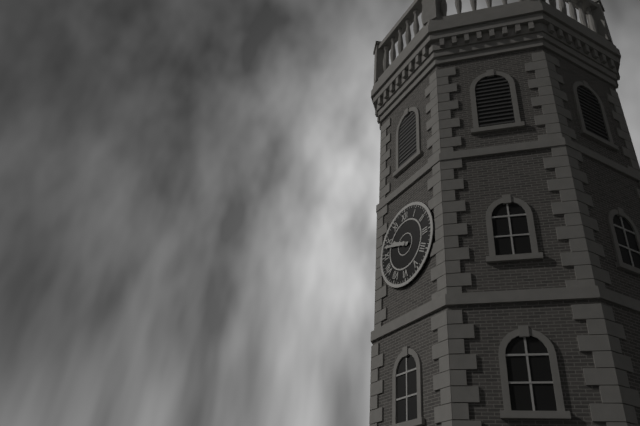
9.48
